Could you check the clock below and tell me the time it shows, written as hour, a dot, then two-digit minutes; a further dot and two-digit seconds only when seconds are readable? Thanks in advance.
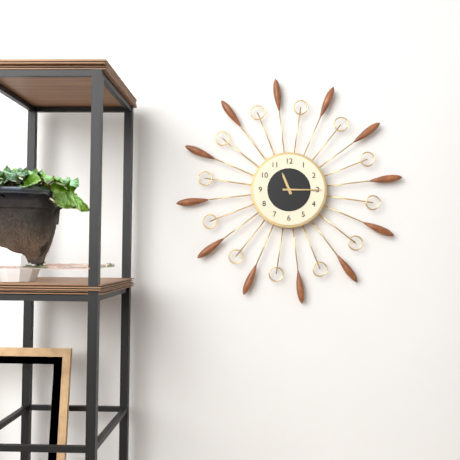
11.15
